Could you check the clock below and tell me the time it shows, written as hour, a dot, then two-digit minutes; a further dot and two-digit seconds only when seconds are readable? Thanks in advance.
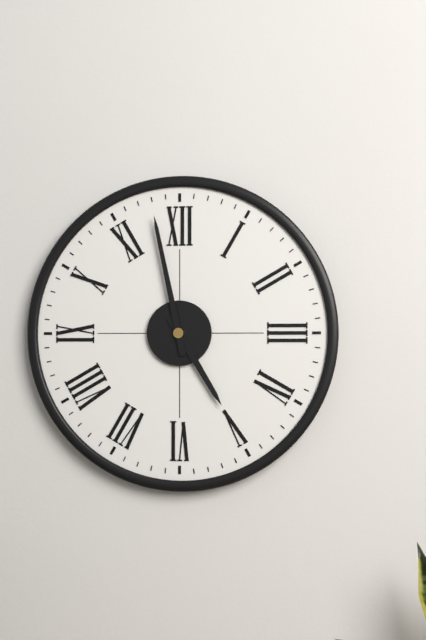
4.58
